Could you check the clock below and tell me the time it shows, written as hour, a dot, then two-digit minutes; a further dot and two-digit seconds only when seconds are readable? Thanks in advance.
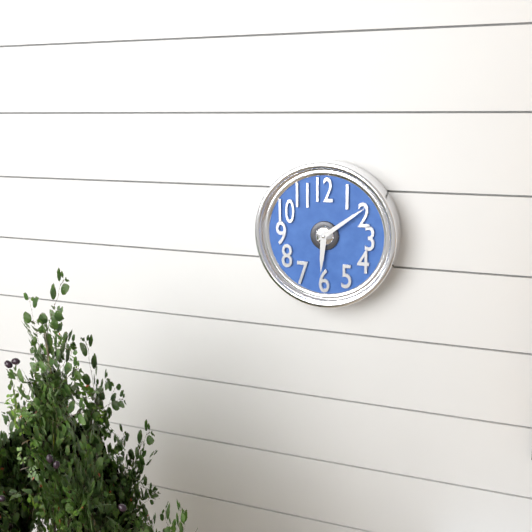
6.09
